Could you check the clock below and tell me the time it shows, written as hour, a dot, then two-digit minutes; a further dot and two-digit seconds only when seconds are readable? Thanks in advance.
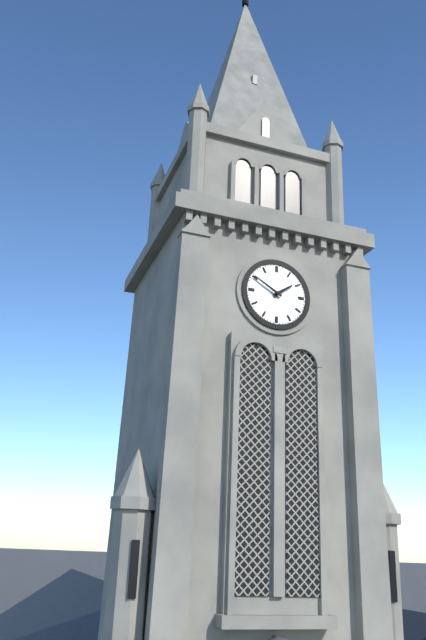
1.50
